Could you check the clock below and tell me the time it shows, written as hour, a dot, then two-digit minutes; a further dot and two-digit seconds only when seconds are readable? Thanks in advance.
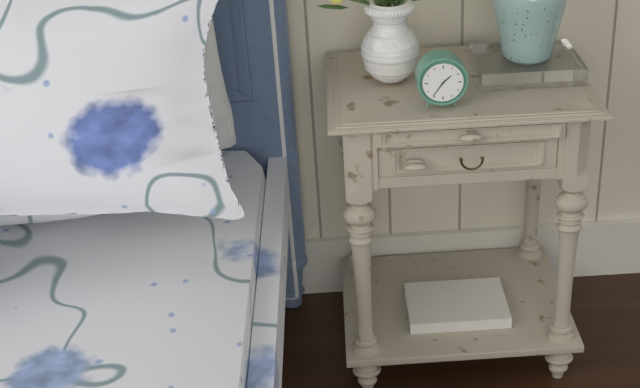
1.36
